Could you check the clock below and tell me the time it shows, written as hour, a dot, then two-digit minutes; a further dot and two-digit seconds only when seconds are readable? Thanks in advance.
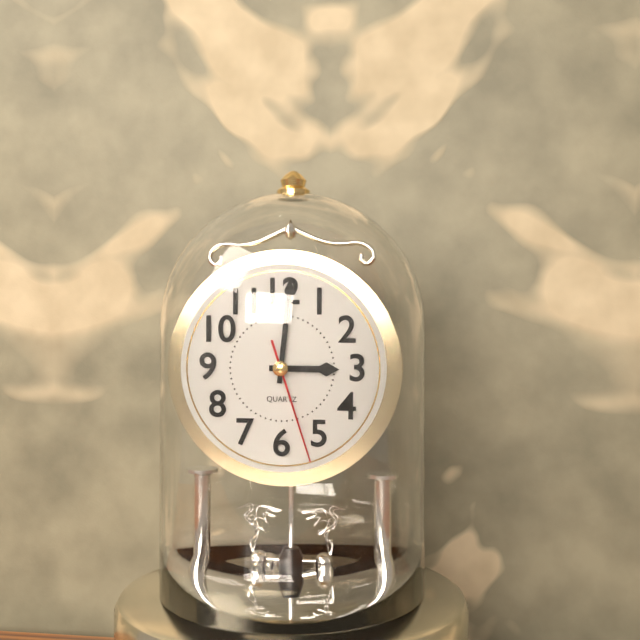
3.01.27
